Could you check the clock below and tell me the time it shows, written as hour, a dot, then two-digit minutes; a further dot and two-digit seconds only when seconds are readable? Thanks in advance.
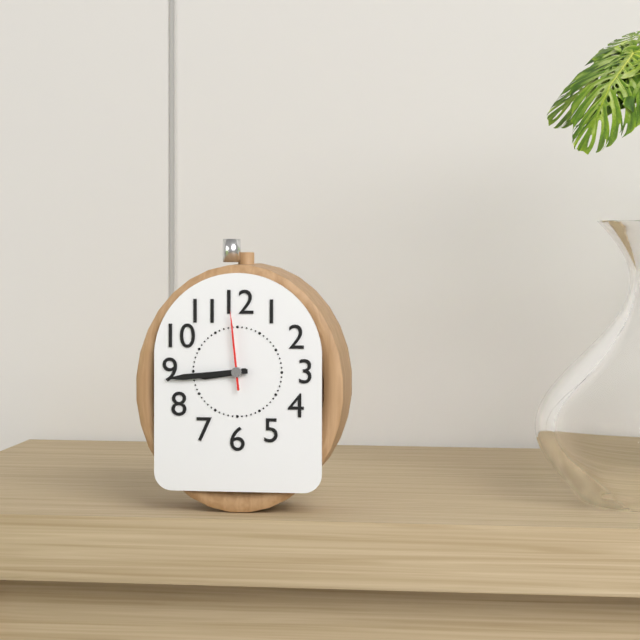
8.44.59
